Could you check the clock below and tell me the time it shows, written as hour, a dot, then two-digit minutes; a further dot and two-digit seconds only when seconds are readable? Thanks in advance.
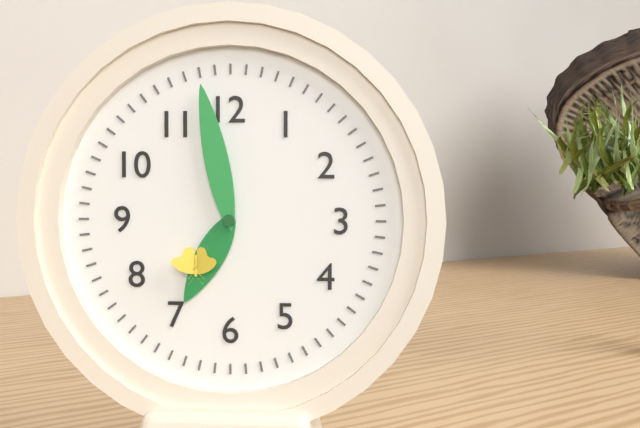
6.58
